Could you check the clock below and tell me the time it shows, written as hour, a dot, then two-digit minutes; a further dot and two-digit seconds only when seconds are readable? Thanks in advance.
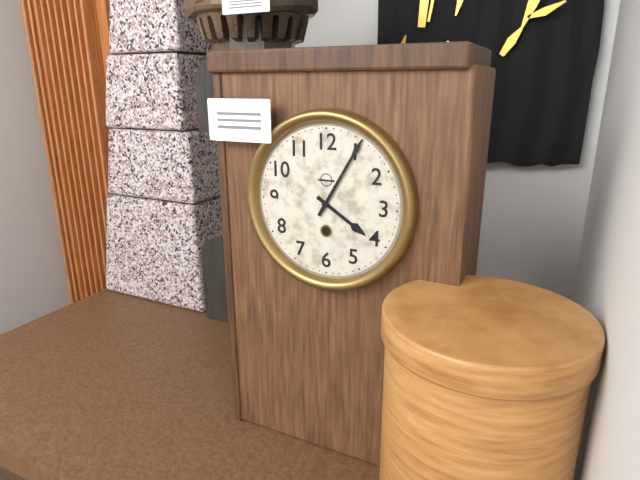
4.05
